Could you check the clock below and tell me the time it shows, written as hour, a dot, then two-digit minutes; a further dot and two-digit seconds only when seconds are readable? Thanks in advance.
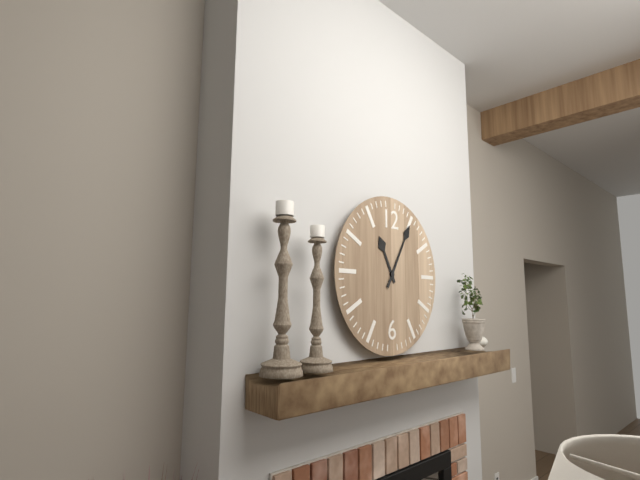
11.05
